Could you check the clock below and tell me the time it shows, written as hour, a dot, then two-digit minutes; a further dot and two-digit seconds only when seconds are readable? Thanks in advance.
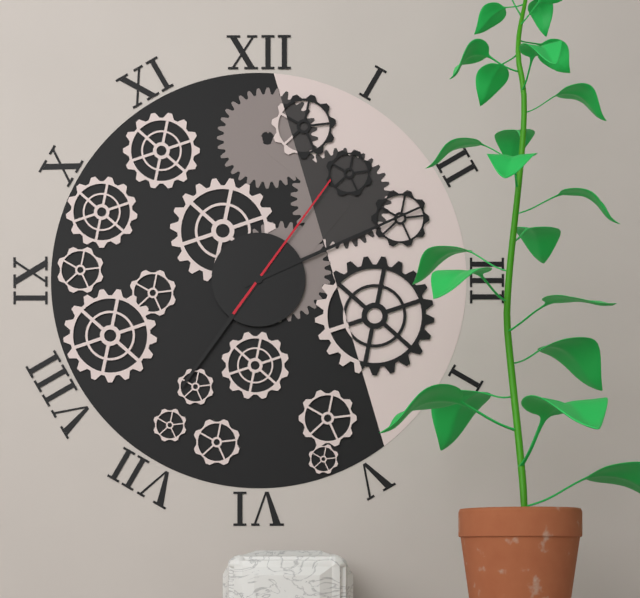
7.11.06
